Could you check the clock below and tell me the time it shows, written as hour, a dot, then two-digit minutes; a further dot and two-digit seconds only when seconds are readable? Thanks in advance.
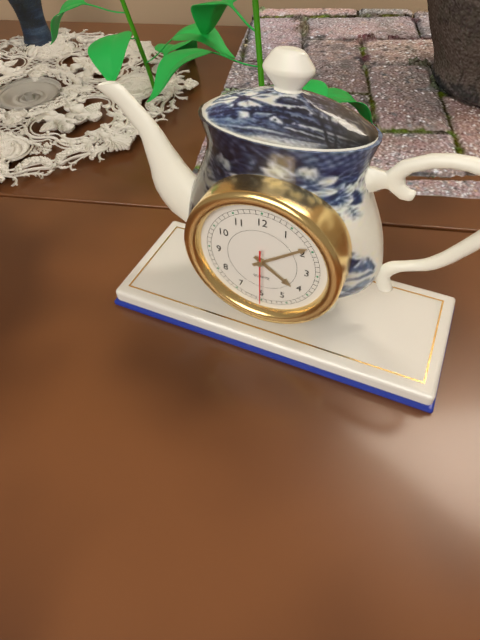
4.09.30
